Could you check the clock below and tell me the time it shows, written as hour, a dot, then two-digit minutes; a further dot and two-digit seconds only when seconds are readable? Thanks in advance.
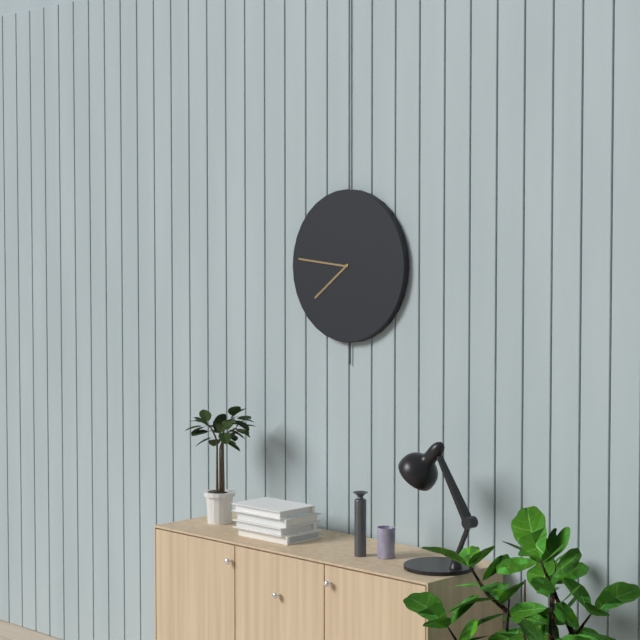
7.46
